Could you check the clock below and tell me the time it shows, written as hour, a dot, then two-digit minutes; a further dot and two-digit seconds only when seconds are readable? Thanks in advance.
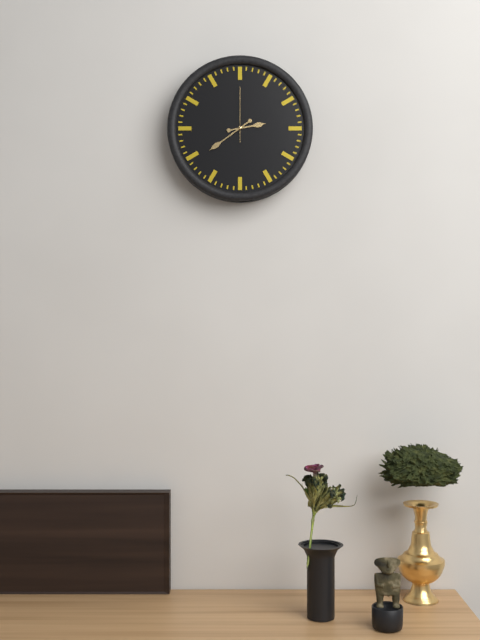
2.39.00
